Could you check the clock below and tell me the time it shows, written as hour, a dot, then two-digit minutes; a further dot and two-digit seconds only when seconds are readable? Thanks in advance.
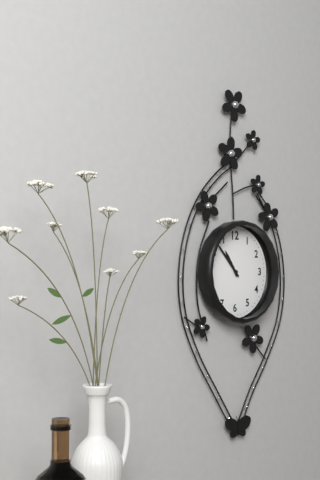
10.53
